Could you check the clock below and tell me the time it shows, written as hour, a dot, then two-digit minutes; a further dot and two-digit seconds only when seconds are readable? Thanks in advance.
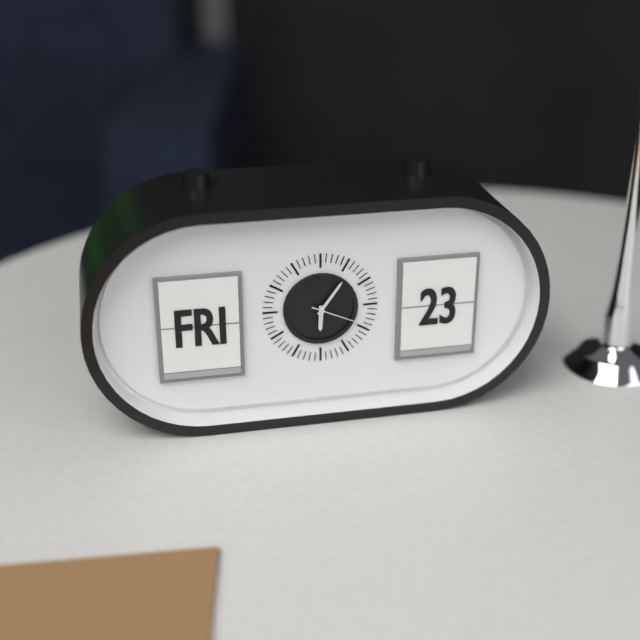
6.06.19
